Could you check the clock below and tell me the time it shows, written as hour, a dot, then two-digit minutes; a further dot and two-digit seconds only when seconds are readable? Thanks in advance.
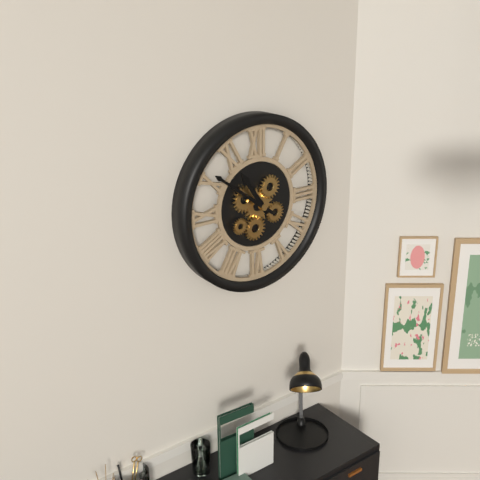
10.51
